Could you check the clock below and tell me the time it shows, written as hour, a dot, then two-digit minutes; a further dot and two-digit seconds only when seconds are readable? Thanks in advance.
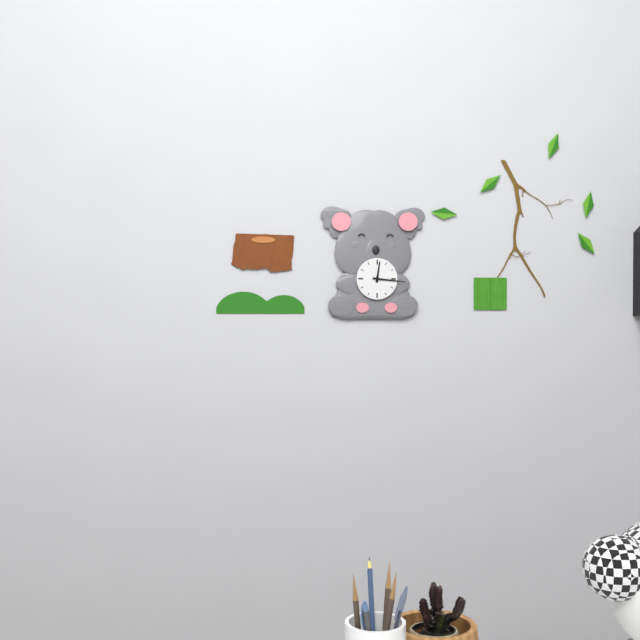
12.16
